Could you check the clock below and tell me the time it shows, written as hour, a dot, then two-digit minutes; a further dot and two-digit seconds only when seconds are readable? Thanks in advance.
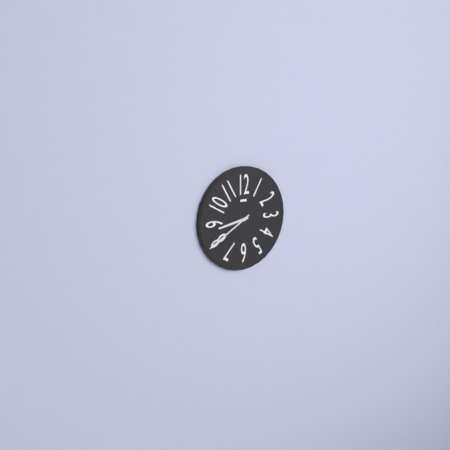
8.40
